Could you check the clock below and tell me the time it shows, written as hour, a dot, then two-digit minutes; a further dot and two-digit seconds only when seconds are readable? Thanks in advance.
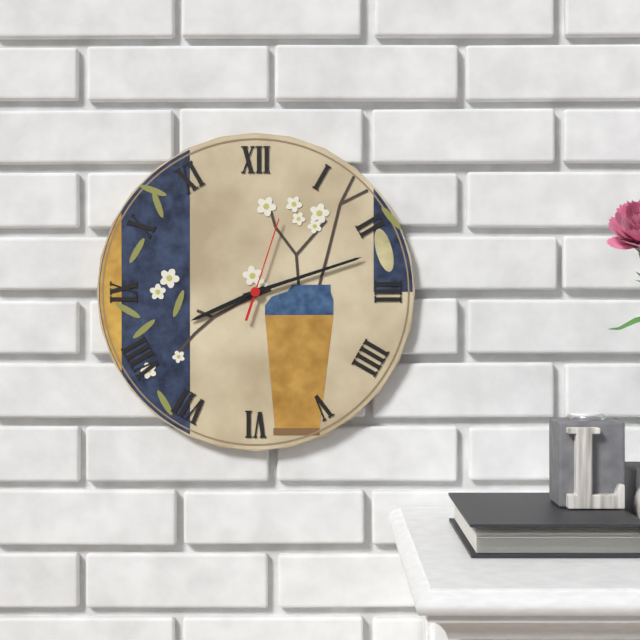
8.12.03
